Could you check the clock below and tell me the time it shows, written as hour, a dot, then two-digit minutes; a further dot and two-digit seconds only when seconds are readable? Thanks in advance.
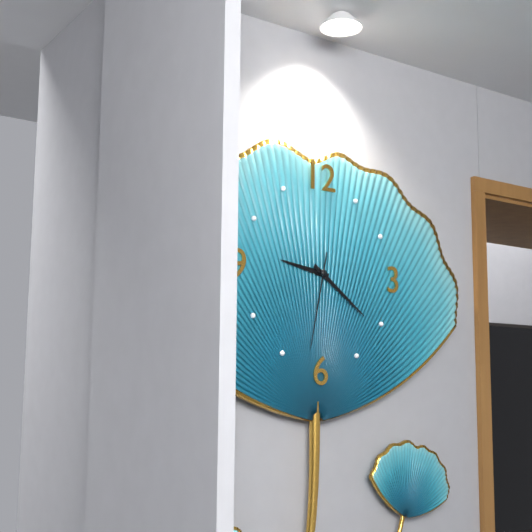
9.21.32
